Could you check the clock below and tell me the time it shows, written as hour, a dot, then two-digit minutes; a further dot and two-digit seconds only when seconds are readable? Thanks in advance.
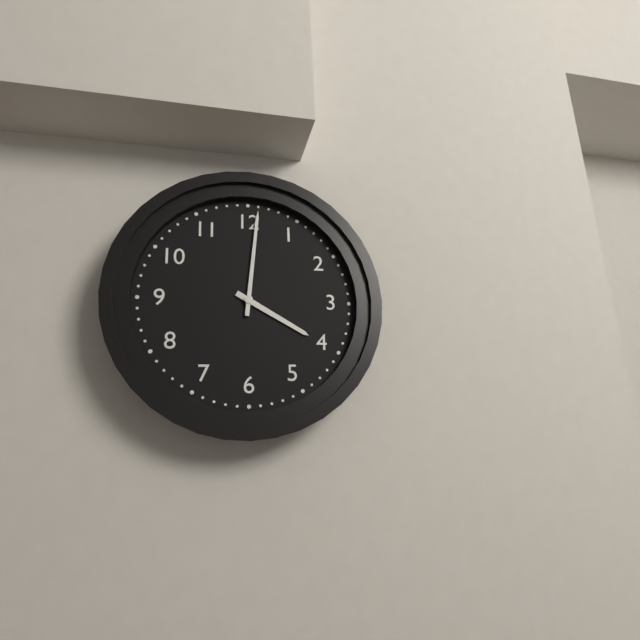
4.01
